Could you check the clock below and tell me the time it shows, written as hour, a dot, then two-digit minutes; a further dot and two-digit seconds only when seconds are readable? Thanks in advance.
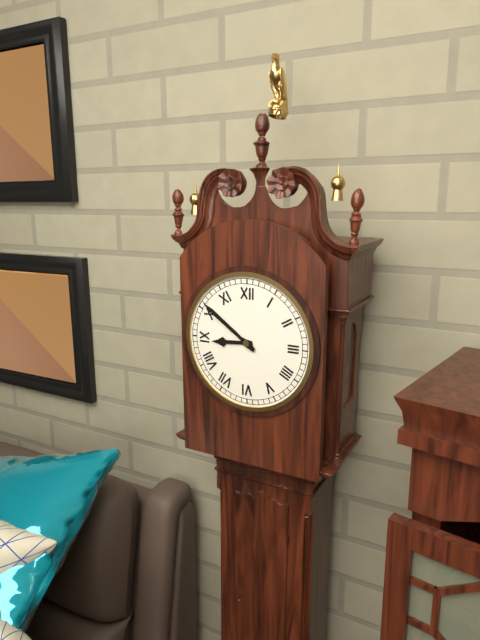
8.51
